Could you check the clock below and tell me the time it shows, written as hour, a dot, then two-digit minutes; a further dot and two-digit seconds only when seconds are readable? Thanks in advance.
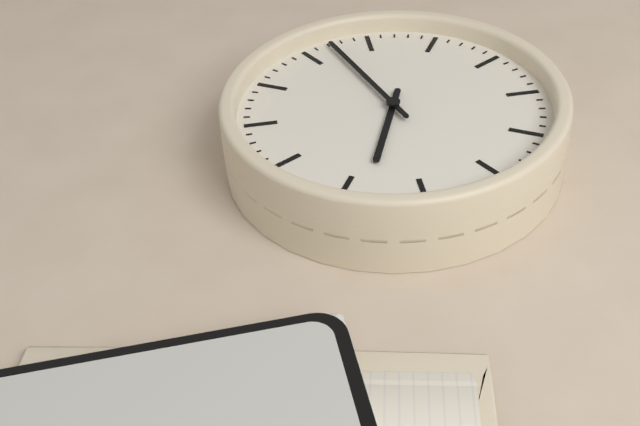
3.42
